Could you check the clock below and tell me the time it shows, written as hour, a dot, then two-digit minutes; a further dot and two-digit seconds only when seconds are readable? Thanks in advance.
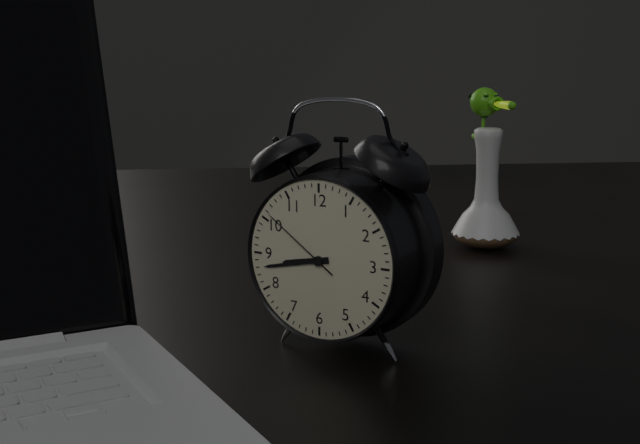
8.43.51
